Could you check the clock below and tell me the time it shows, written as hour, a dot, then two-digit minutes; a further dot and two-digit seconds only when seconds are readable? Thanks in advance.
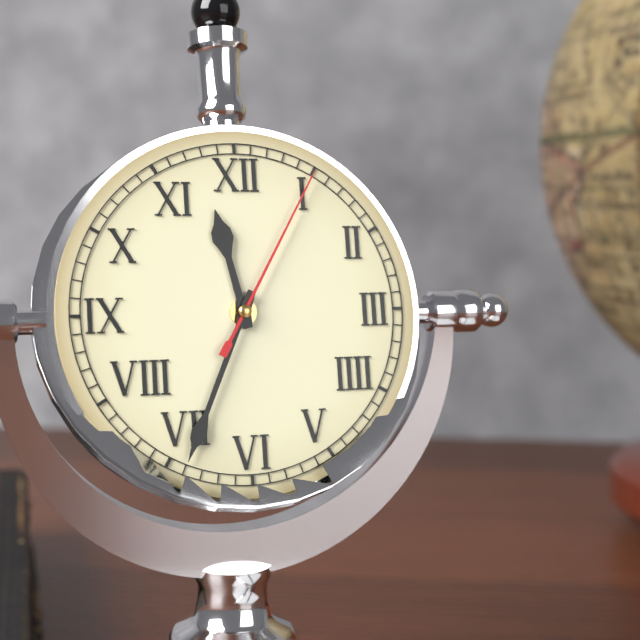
11.34.05
